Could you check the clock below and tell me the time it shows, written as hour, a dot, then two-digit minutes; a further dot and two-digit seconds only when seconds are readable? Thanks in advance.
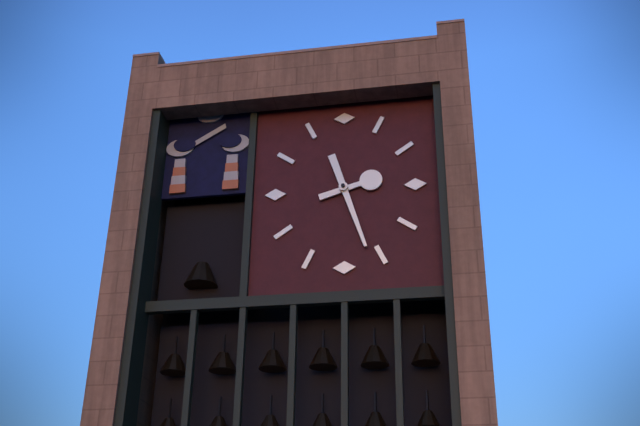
2.27
